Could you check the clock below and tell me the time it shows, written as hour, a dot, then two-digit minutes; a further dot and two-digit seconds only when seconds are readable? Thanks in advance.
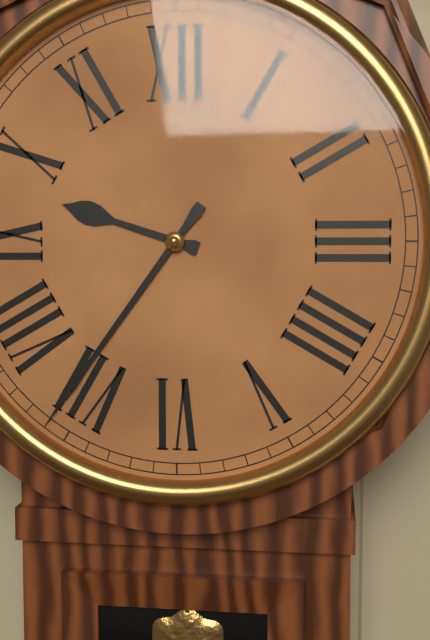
9.36
